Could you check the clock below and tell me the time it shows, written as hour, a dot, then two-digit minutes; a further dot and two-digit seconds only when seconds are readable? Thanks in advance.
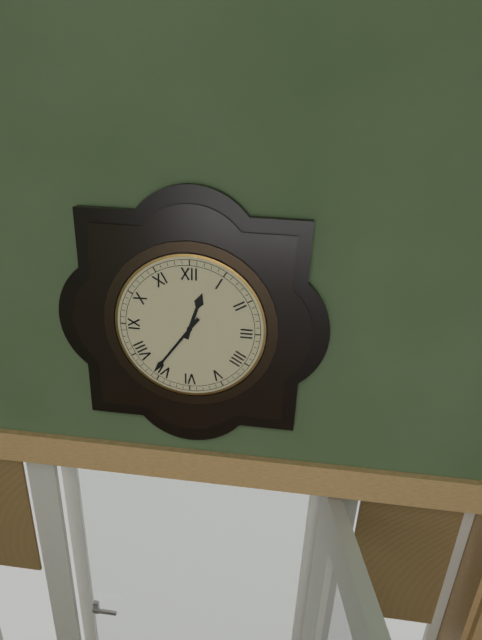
12.36
